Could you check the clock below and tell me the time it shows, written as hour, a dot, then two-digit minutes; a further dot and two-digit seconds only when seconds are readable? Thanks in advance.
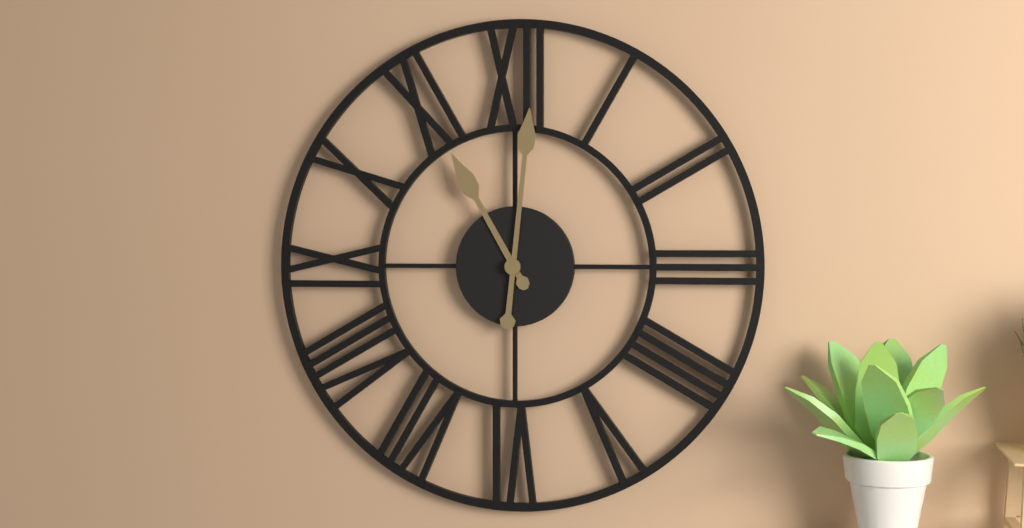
11.01
